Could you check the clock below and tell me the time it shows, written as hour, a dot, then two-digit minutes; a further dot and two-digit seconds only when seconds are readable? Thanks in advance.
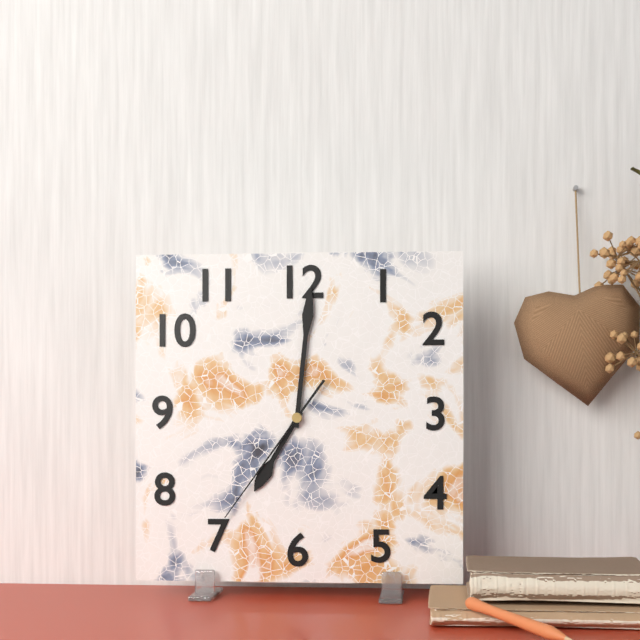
7.01.36
